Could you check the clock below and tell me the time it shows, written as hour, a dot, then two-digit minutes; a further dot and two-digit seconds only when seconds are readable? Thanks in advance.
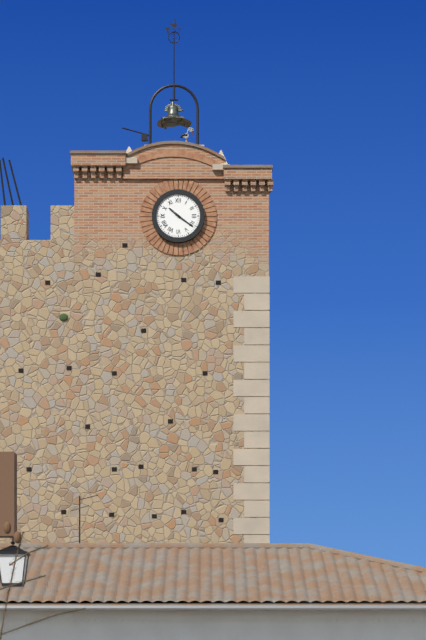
10.21
